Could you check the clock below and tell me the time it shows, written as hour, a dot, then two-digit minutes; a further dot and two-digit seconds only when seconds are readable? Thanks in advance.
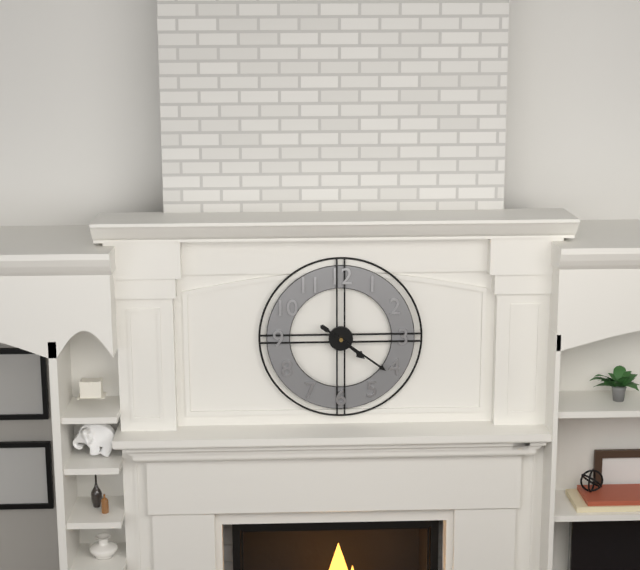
4.21
